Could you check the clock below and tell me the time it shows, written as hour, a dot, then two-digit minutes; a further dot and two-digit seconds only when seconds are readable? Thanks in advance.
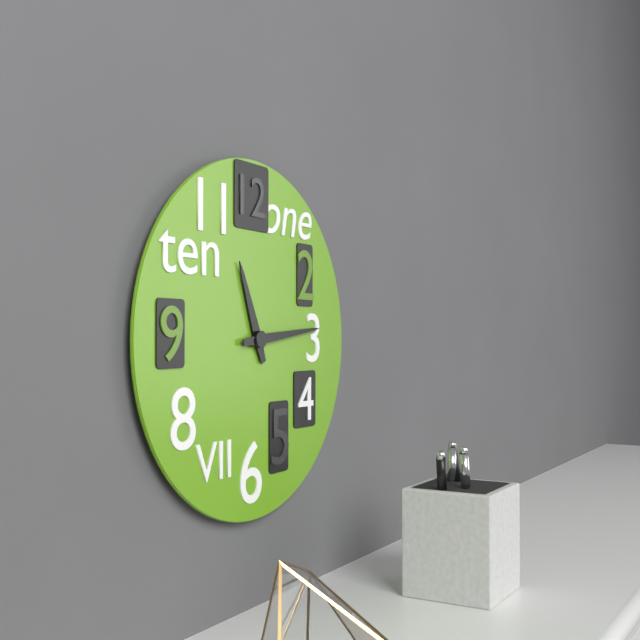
11.14
